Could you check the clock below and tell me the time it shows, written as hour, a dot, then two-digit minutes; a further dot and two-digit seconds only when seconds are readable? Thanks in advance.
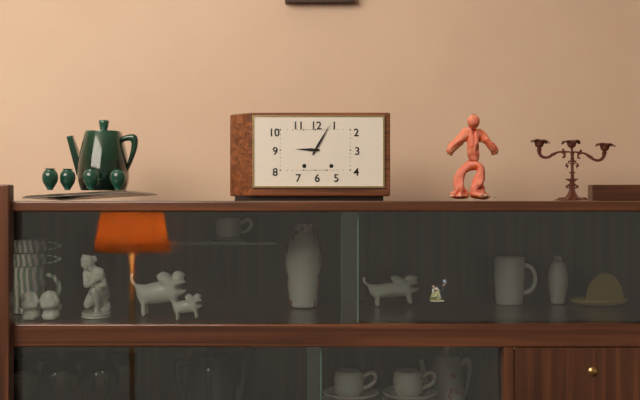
9.05
